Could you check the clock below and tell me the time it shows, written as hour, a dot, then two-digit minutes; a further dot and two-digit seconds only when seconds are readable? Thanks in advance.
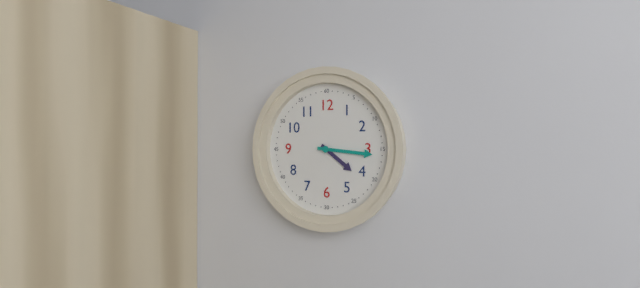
4.16
